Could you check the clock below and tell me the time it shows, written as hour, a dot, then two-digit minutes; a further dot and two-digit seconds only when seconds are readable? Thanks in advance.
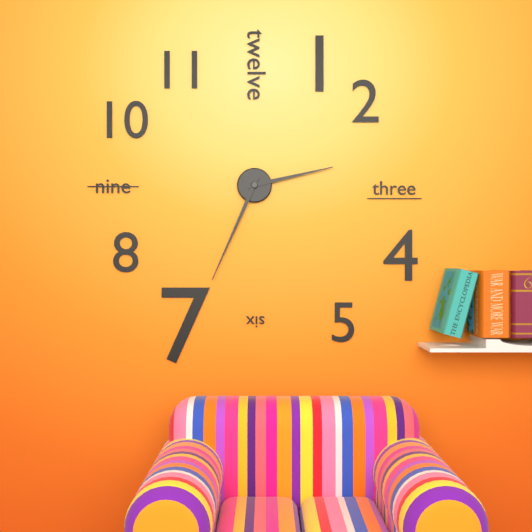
2.34
